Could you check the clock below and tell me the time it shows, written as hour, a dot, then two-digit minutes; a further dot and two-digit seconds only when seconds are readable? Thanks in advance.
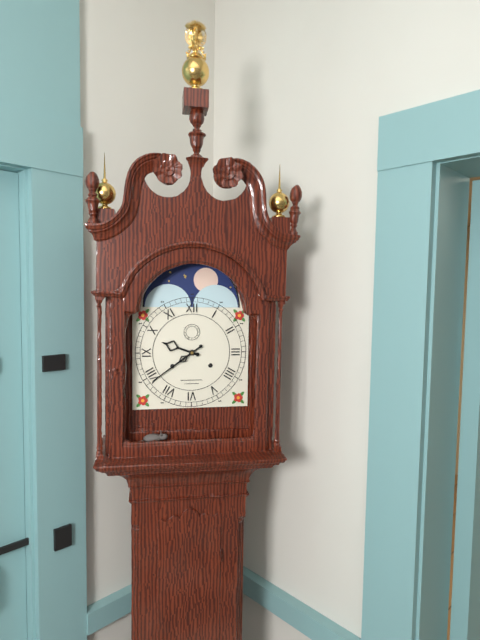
9.39
